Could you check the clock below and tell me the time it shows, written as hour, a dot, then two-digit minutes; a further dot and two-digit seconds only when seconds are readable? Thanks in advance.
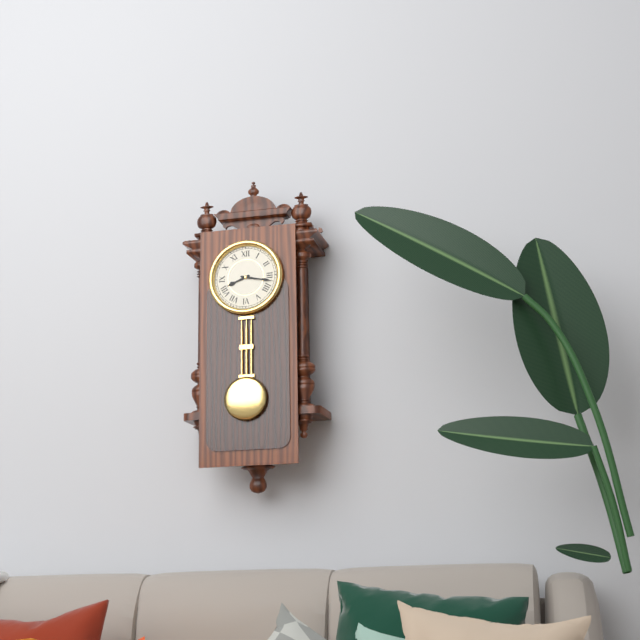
8.17
